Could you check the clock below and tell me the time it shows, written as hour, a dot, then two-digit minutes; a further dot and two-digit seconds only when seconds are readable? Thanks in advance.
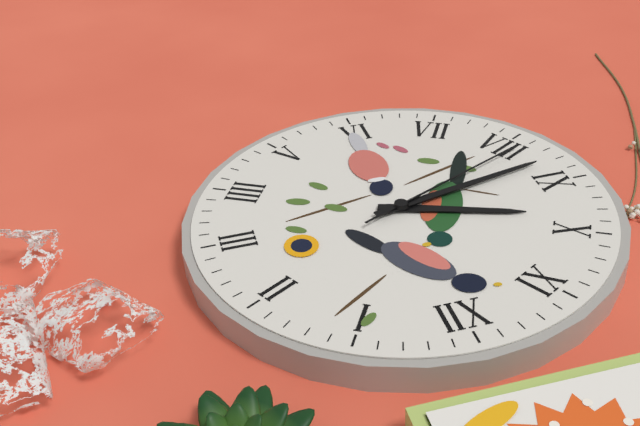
9.43.41
